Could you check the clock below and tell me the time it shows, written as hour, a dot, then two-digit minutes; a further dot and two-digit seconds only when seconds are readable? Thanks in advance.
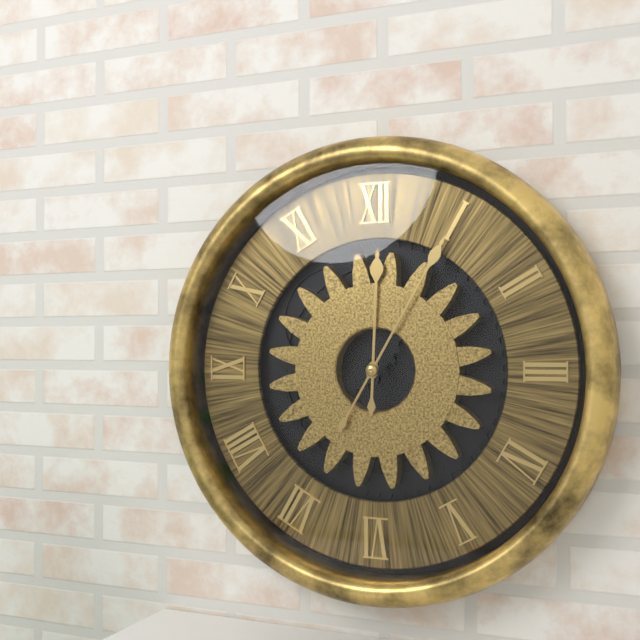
12.05
